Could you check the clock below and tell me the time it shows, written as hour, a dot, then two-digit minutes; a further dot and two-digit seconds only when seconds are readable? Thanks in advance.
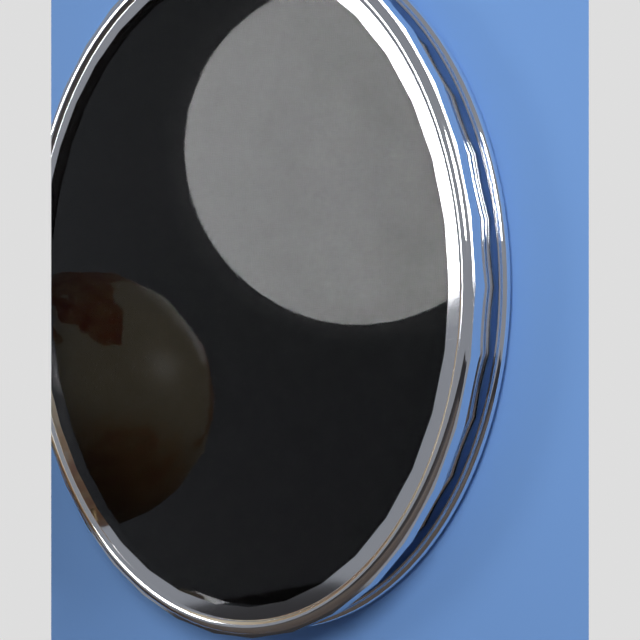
5.02
